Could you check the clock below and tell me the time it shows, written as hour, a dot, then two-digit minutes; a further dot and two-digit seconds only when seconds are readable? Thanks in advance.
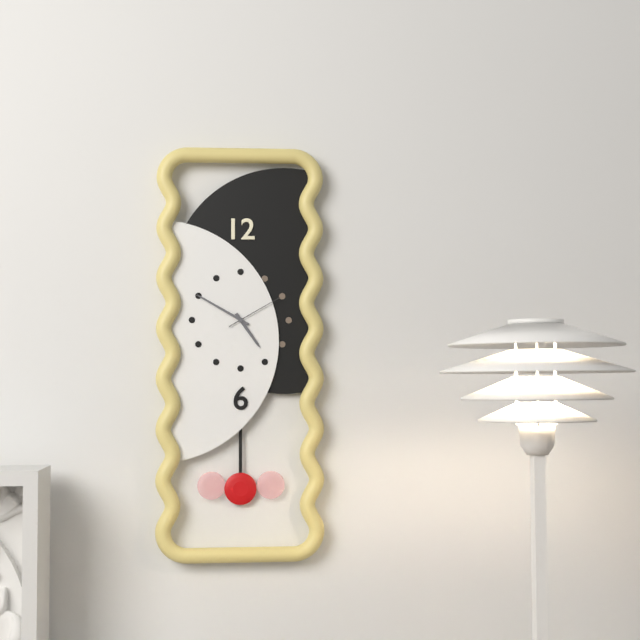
4.50.10
